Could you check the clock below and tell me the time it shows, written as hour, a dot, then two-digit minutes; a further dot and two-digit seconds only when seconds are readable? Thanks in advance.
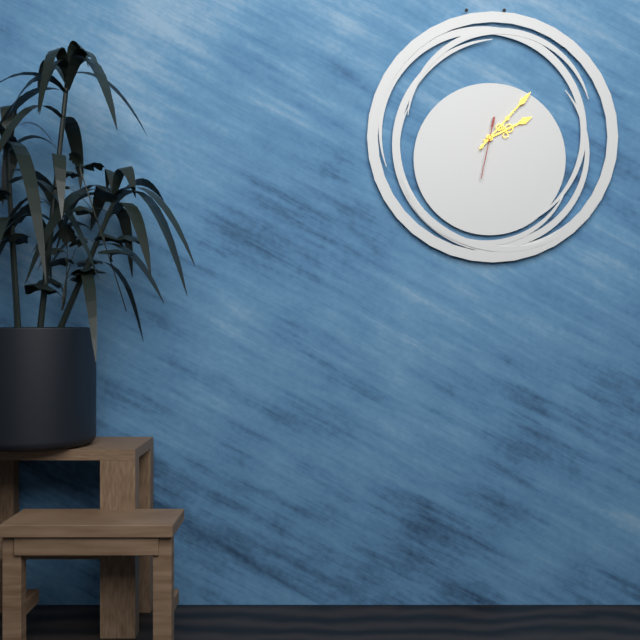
2.07
